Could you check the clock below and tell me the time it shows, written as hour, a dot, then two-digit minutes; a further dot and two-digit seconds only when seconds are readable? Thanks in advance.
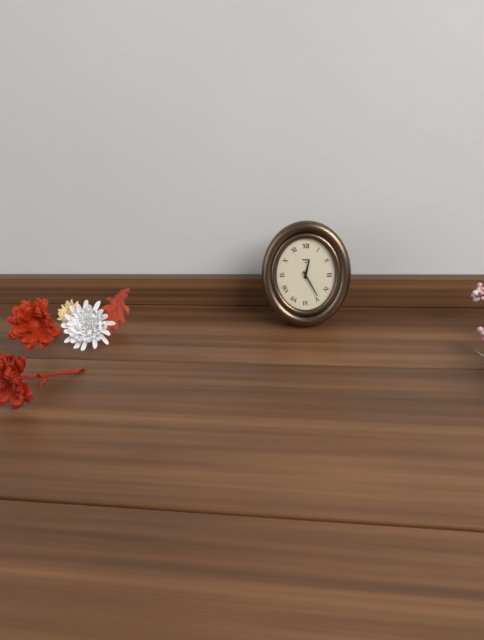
12.25
